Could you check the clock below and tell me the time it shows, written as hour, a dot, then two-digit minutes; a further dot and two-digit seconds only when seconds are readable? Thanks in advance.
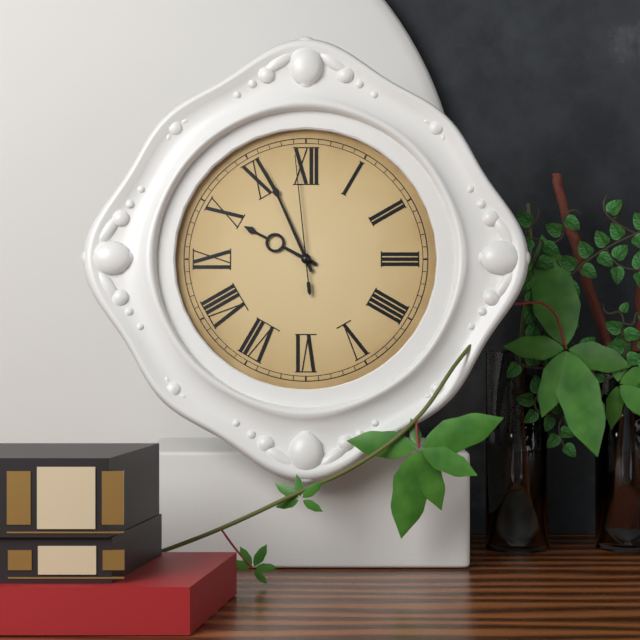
9.56.59
